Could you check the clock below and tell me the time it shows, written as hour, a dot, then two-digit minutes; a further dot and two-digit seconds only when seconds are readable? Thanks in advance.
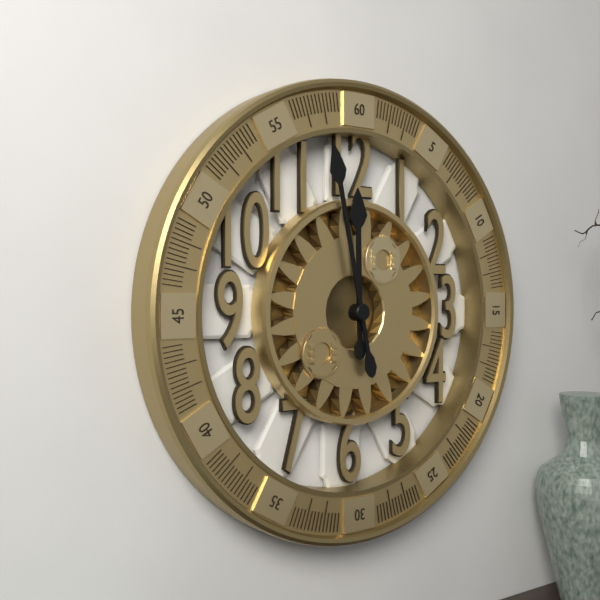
11.58
